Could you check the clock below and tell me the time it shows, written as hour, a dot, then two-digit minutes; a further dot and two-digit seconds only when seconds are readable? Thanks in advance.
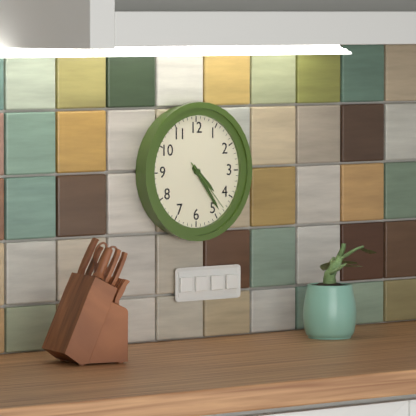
4.24.23
